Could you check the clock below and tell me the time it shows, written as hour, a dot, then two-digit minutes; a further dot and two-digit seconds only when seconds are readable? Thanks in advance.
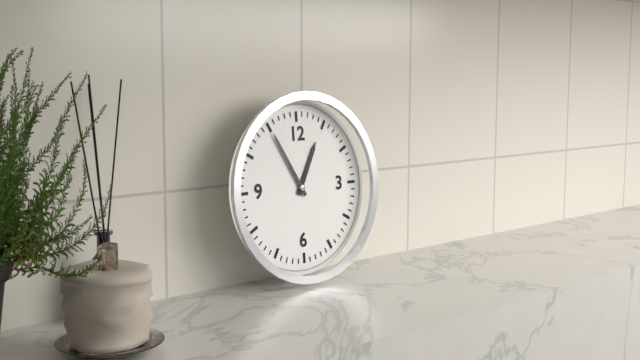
12.55
